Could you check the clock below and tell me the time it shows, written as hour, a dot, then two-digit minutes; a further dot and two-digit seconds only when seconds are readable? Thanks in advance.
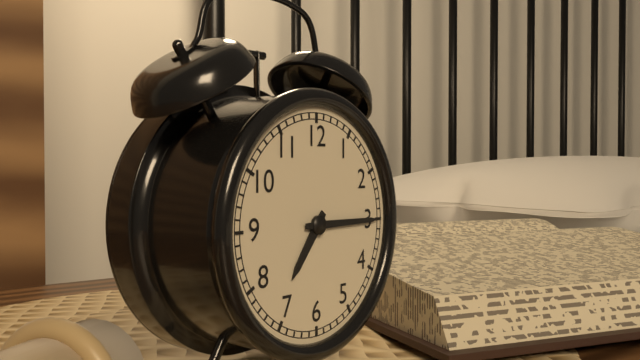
7.15
